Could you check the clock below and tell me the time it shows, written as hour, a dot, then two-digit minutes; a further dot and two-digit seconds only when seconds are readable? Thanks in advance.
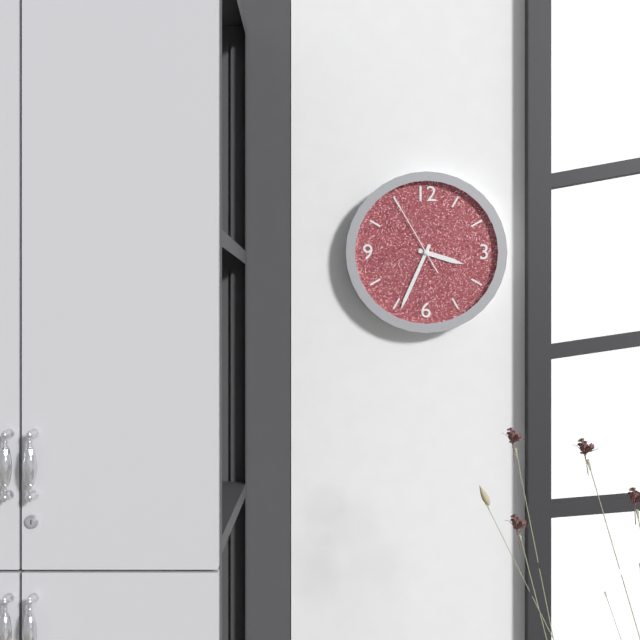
3.34.55
